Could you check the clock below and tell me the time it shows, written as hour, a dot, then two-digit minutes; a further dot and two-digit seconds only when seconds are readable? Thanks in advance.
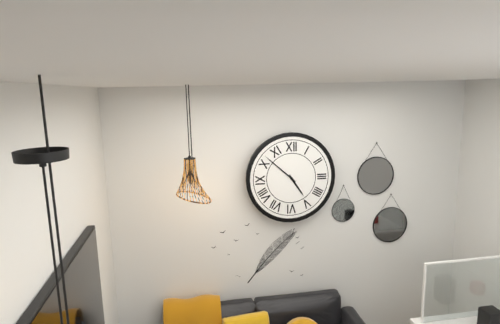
4.52
